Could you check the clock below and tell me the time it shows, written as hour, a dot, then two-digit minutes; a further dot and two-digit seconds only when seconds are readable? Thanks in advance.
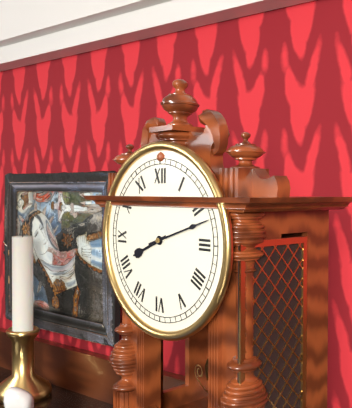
8.12
